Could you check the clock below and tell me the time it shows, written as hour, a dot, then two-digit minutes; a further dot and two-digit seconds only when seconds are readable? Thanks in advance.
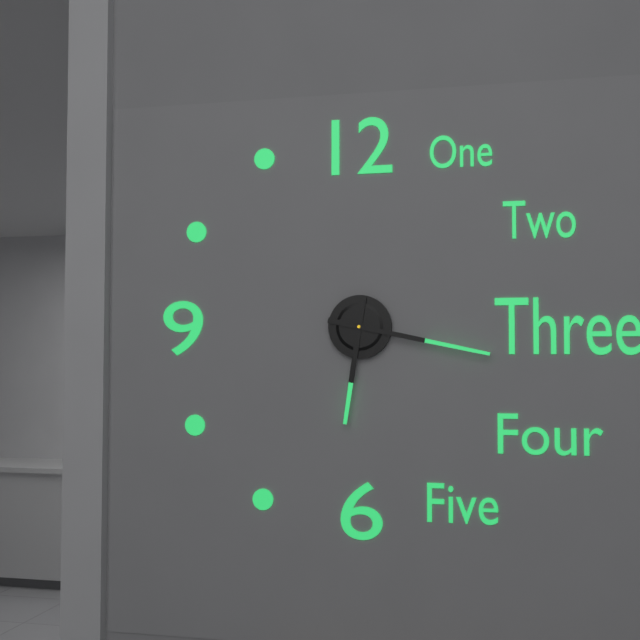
6.17
